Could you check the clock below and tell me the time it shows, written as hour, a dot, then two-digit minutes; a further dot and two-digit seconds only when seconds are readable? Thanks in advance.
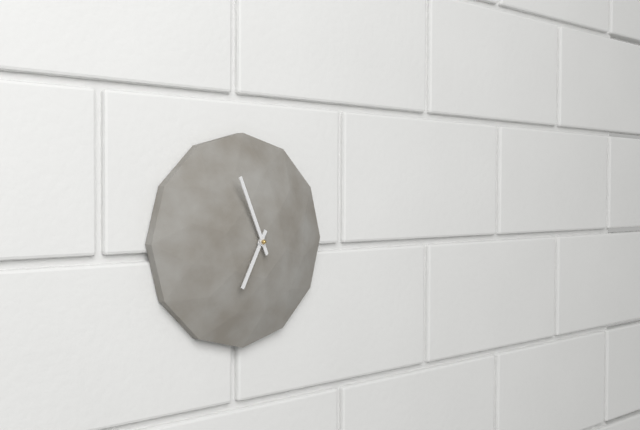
6.56
